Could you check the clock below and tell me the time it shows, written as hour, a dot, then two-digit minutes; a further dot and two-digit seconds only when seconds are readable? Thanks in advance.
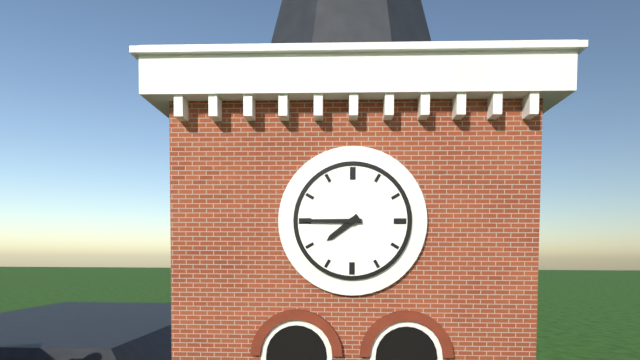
7.45
